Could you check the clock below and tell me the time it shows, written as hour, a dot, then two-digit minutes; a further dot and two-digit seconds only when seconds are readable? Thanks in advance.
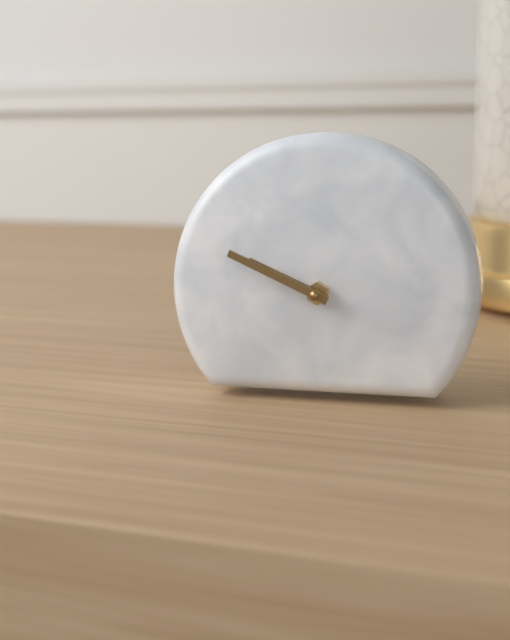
9.49
